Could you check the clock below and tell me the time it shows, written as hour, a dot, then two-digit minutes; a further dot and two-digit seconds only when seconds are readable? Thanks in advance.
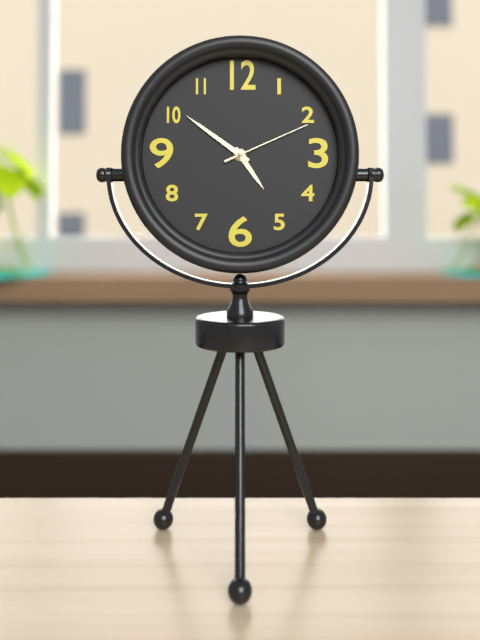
4.51.11
